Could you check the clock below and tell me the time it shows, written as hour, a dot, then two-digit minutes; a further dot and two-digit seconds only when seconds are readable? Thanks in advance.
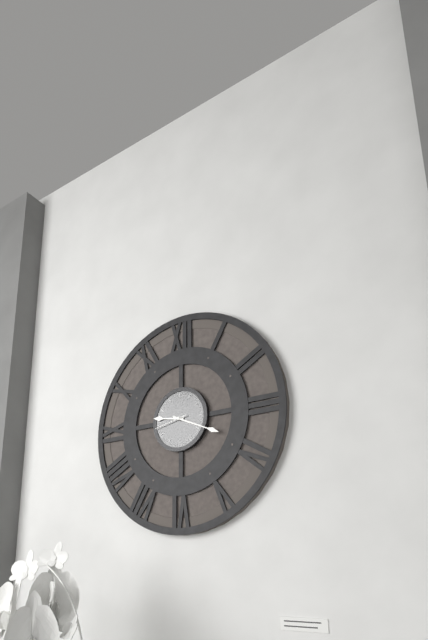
9.19
